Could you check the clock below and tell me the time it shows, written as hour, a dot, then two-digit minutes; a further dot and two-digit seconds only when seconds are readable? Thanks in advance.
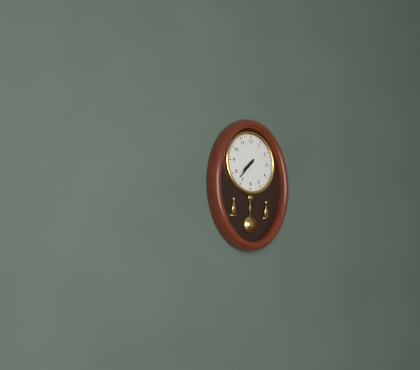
7.37
